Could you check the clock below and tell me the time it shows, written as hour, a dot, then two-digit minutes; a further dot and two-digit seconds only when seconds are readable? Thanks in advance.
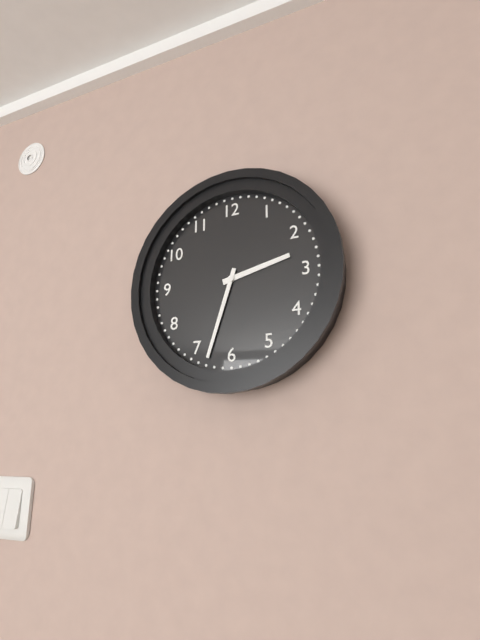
2.33
